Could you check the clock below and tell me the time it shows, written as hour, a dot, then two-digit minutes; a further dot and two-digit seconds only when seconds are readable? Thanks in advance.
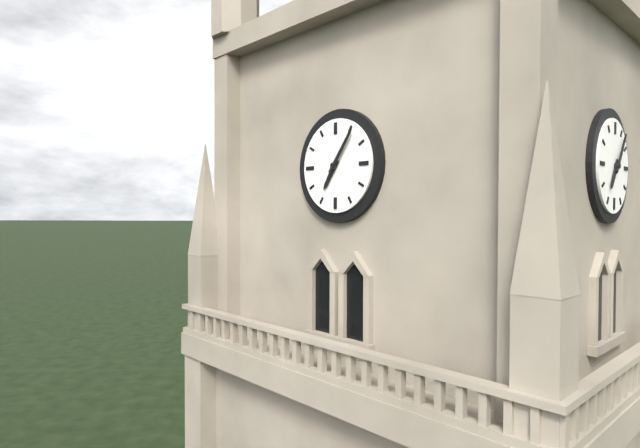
7.06
